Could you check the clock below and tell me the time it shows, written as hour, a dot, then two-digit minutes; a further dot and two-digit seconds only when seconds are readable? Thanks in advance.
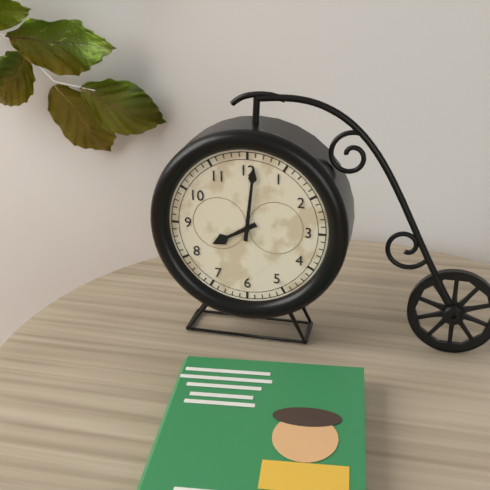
8.01
